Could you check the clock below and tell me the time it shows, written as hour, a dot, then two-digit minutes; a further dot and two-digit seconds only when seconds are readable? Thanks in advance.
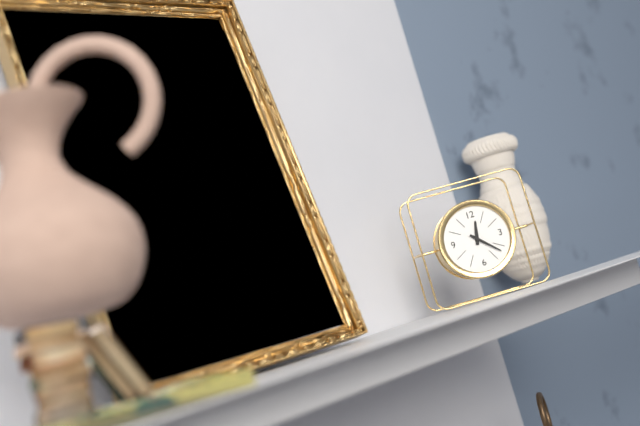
12.22
